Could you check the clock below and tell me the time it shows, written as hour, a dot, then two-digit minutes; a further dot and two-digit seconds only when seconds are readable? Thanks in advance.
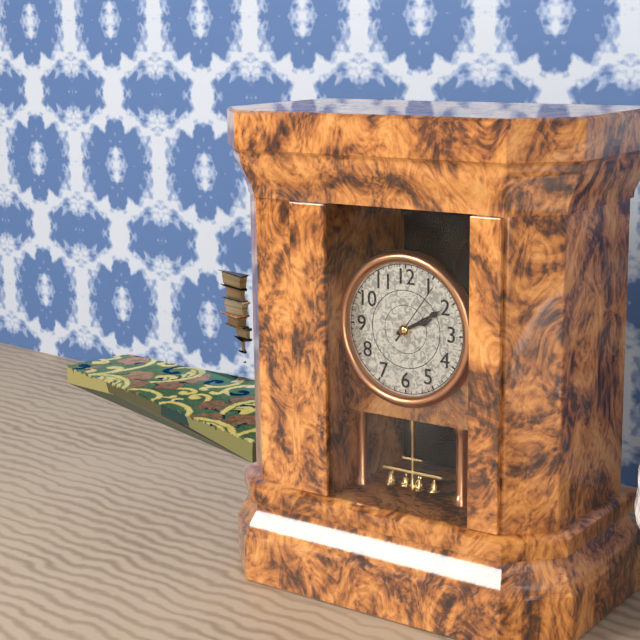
2.10.06
